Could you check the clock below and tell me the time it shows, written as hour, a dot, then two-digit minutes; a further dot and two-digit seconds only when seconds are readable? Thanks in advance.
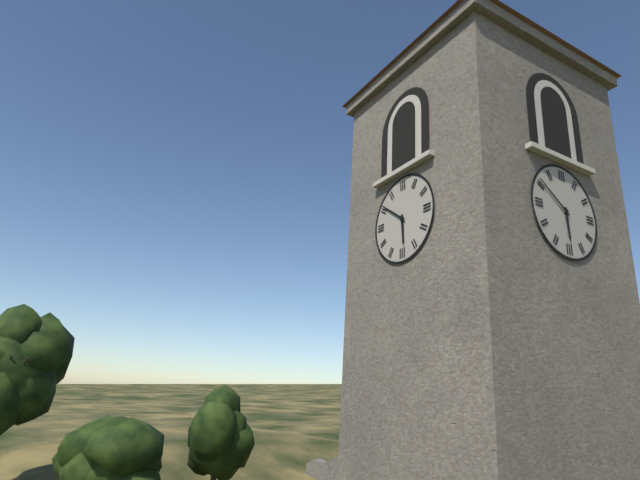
5.51
